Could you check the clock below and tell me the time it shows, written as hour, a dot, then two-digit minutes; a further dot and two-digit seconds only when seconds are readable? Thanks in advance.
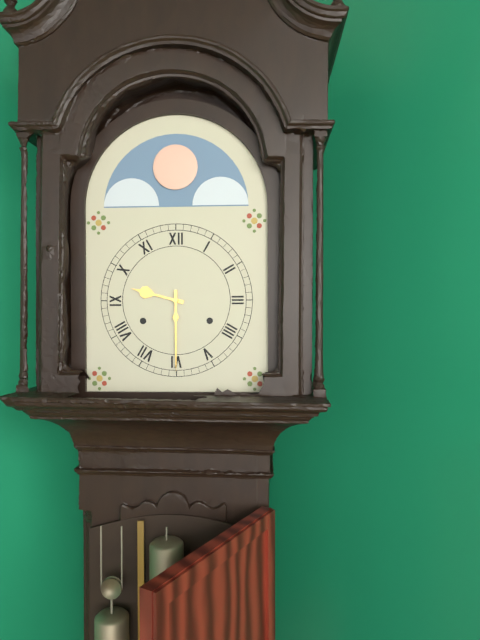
9.30
